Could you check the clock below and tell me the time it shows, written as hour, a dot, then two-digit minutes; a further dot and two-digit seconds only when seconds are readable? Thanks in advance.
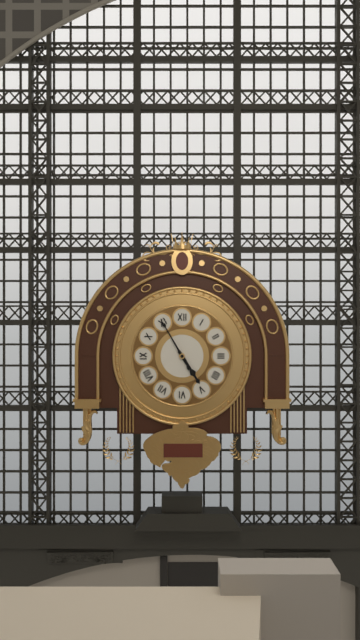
4.55
